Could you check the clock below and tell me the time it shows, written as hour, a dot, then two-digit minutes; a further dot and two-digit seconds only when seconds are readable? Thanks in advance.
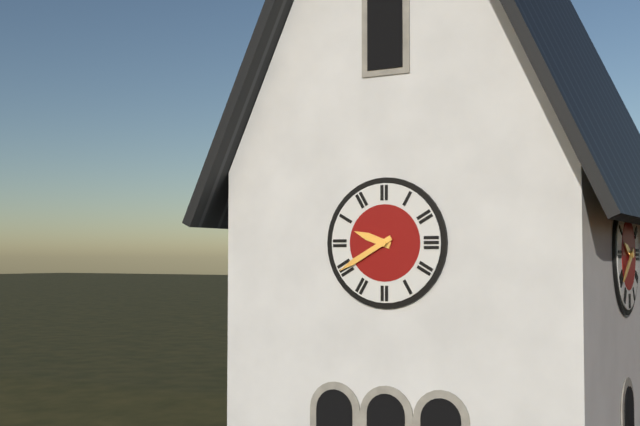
9.40
